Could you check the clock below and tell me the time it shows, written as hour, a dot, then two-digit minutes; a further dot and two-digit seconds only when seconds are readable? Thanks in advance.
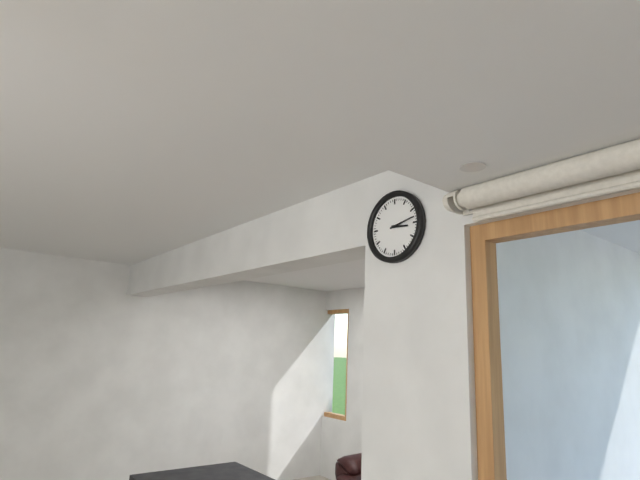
3.13
